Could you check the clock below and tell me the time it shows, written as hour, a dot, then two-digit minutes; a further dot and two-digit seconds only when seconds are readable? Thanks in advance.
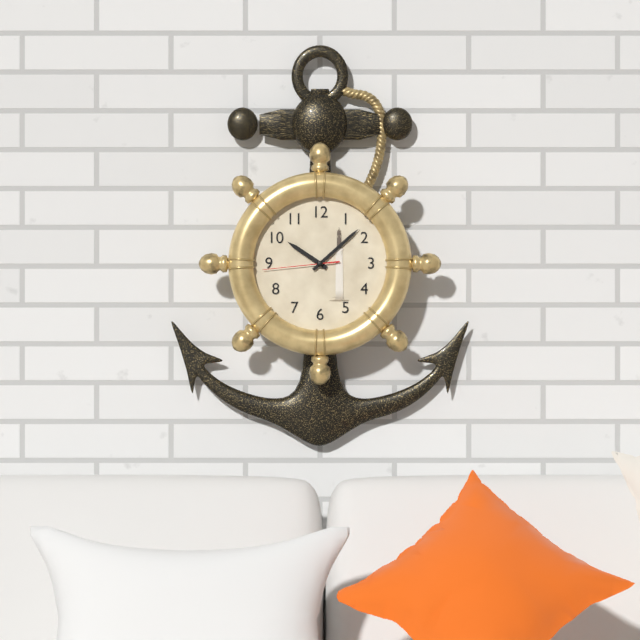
10.08.44
